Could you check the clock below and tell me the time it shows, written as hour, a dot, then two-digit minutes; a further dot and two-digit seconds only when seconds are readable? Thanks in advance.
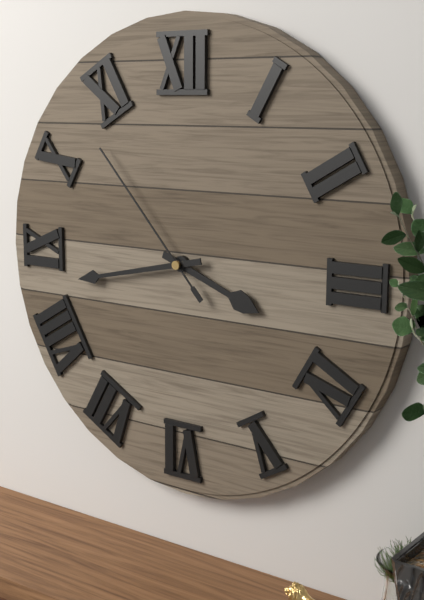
3.43.53
